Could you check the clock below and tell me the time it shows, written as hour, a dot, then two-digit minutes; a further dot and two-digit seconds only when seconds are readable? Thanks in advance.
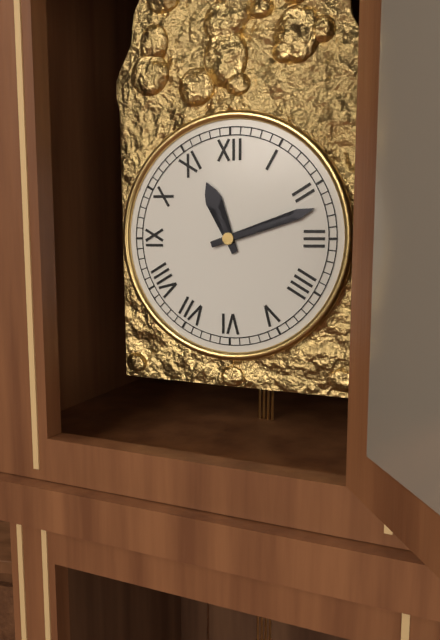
11.12
